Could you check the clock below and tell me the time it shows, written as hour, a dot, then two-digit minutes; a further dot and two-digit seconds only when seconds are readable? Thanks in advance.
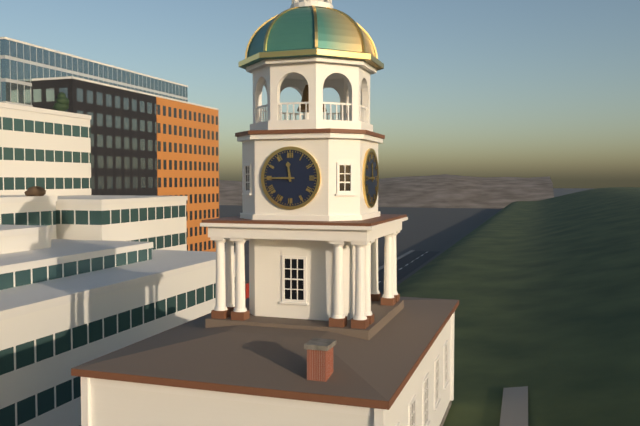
11.45
